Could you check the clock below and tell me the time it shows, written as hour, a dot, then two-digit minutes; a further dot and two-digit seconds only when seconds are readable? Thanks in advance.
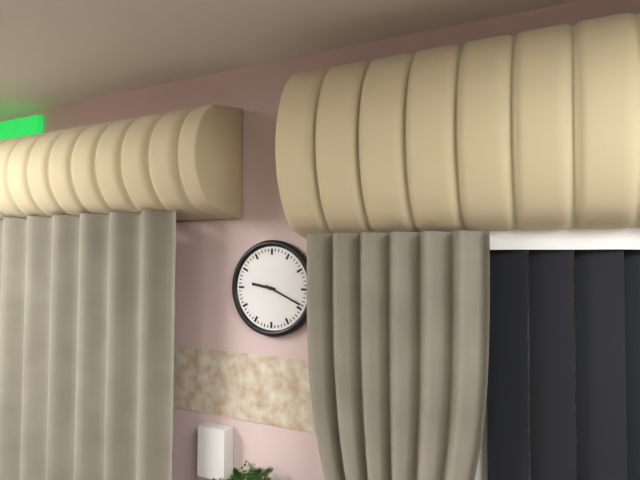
9.19
